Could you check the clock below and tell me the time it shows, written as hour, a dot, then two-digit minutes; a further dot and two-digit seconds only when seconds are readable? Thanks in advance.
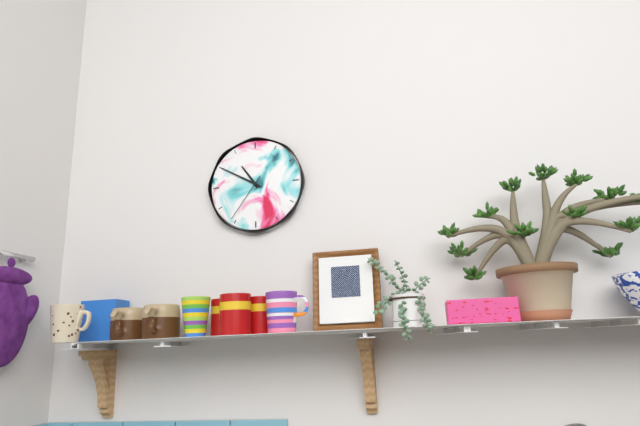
10.50.36
